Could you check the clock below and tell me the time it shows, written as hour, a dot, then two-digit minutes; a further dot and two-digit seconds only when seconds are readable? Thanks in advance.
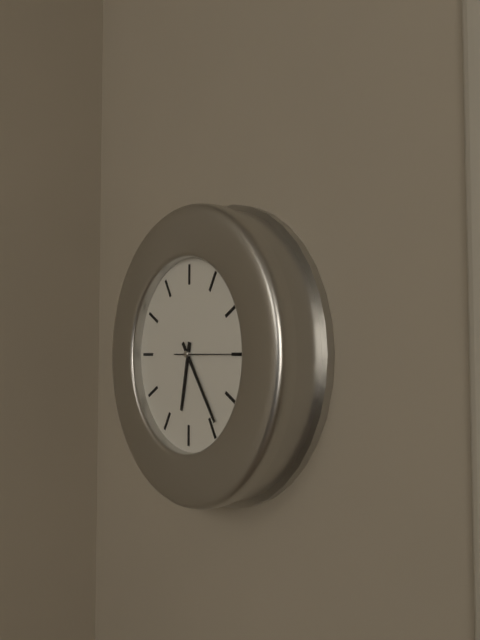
6.24.15
